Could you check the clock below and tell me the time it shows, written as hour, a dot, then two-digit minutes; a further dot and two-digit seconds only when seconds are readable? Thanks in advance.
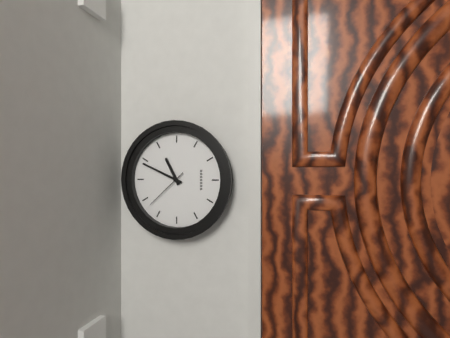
2.04
